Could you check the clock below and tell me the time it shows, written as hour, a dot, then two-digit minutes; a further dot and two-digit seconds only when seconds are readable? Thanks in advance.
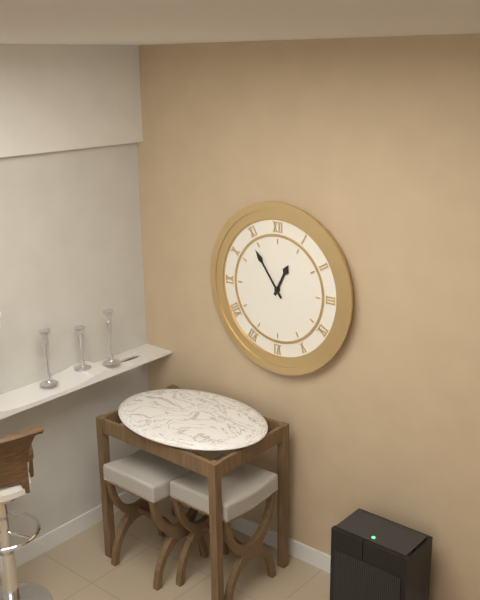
12.54
